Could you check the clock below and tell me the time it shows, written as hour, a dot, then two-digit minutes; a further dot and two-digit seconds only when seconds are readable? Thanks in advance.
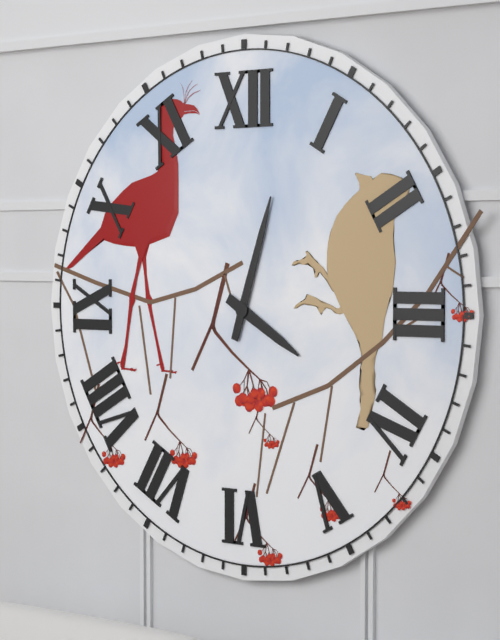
4.03
